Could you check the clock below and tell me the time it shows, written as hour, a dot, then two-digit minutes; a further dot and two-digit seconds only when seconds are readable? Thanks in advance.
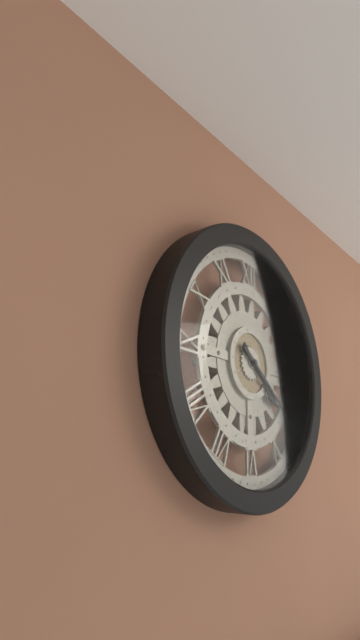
4.21
